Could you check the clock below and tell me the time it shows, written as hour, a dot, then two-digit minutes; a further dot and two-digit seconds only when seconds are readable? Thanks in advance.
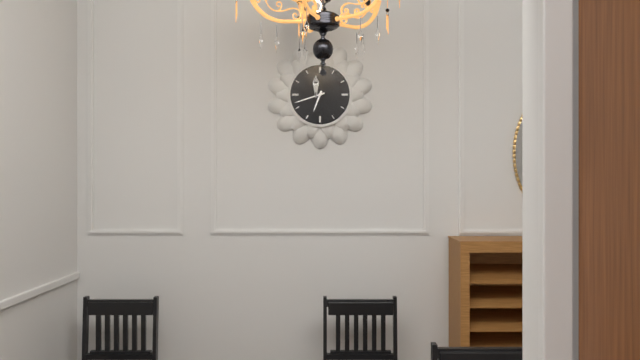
6.42
